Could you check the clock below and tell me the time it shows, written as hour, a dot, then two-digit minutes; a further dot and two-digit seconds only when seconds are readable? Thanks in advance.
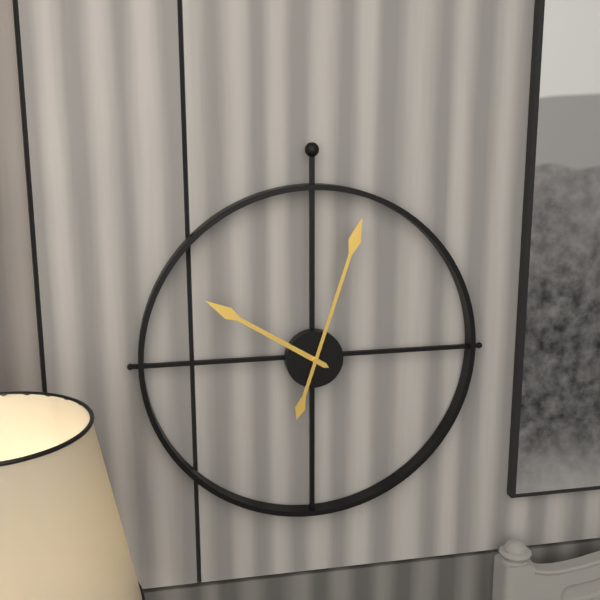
10.03
